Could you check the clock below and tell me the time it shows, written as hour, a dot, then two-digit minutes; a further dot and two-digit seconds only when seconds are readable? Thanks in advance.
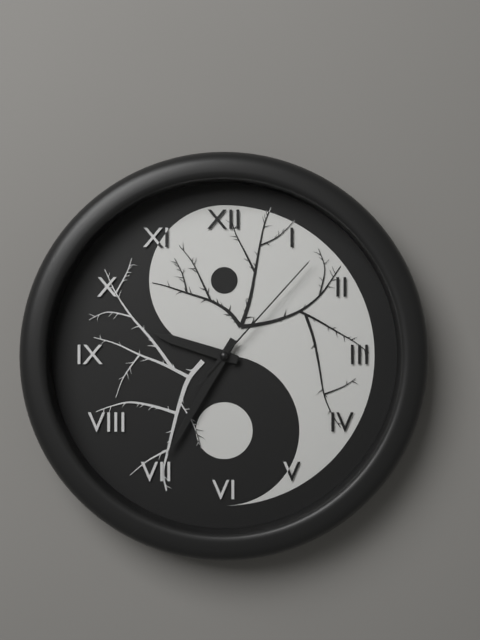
9.35.07
